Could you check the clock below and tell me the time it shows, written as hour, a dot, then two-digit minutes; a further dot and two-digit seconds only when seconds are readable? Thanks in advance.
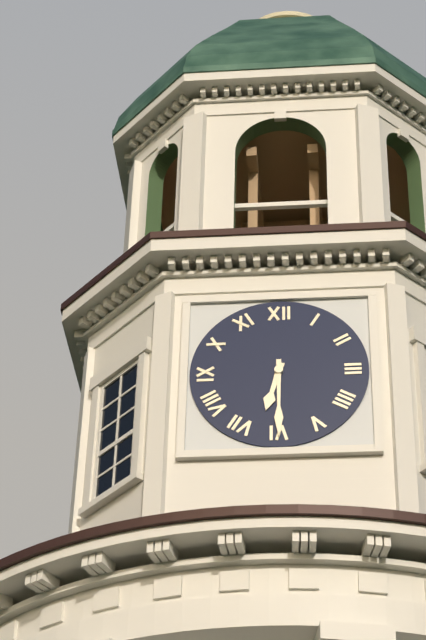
6.30
